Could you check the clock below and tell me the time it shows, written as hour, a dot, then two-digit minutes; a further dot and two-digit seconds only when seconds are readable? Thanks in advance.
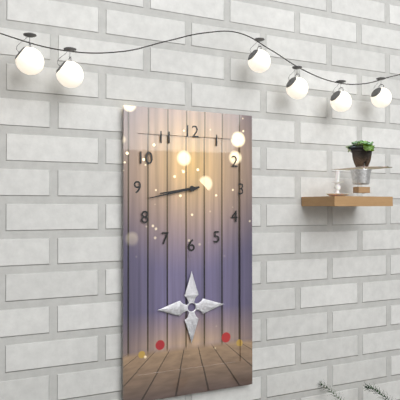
8.43
